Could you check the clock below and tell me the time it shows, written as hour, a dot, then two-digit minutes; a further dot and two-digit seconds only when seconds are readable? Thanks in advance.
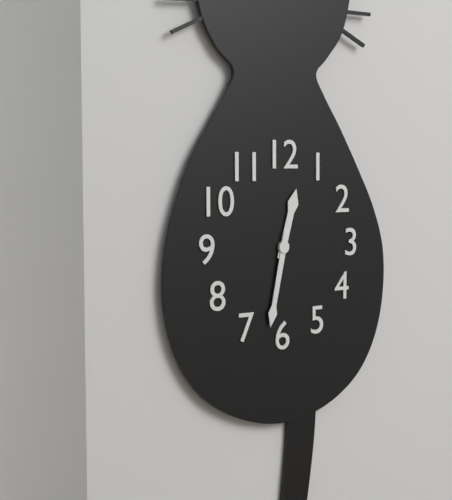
12.32
